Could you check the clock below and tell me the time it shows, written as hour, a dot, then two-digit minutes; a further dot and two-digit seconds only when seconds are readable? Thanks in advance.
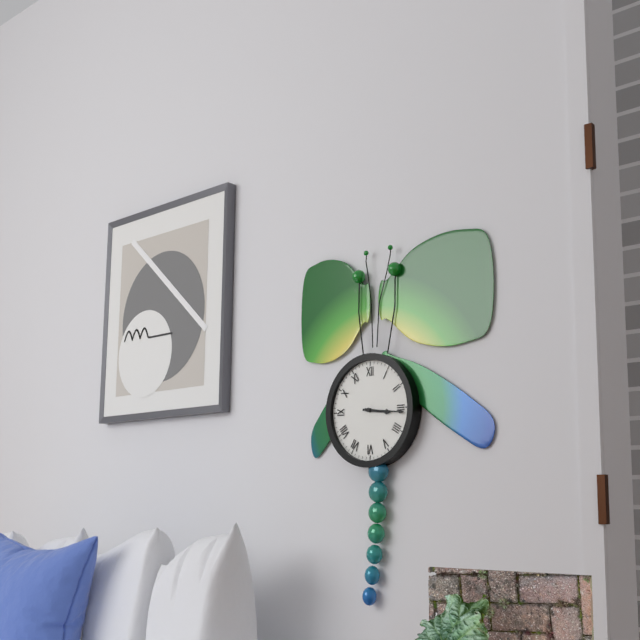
3.16
